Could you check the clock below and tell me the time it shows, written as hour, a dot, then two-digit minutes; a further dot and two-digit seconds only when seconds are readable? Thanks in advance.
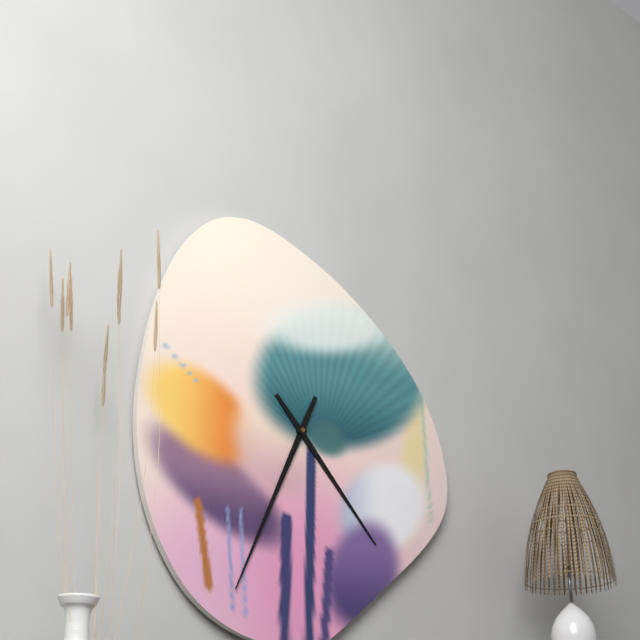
4.34
